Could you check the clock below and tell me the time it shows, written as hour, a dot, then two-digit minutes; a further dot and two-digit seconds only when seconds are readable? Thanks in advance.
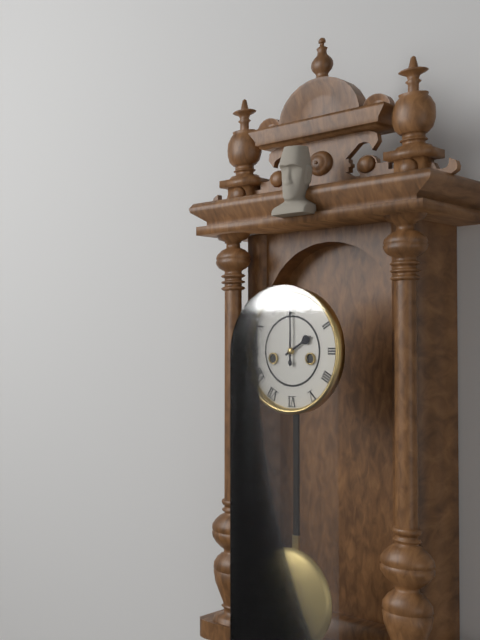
2.00
